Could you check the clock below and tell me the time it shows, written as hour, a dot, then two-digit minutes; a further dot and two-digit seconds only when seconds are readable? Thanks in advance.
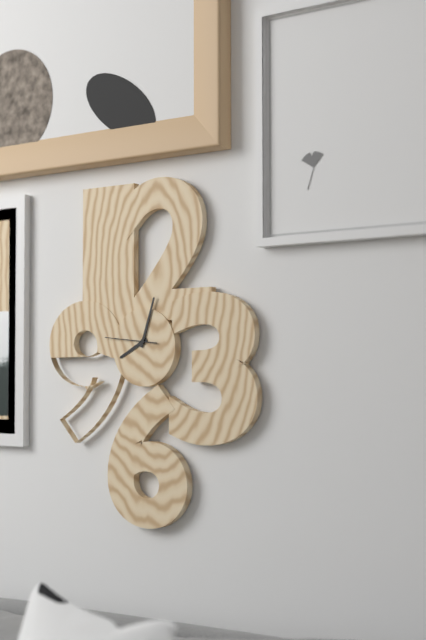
8.03
